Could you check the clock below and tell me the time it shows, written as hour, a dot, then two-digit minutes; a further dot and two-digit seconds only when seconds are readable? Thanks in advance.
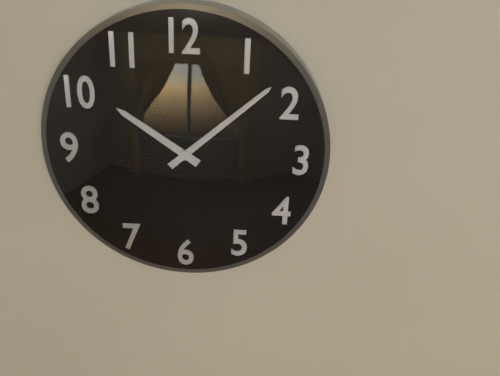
10.08
